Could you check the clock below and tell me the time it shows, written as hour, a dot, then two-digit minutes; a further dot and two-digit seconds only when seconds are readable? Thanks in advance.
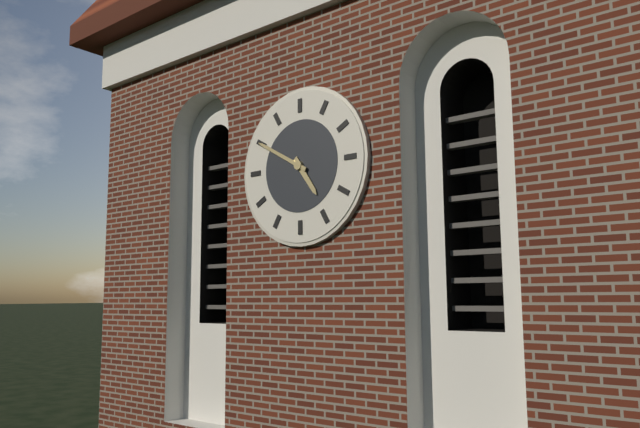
4.50
